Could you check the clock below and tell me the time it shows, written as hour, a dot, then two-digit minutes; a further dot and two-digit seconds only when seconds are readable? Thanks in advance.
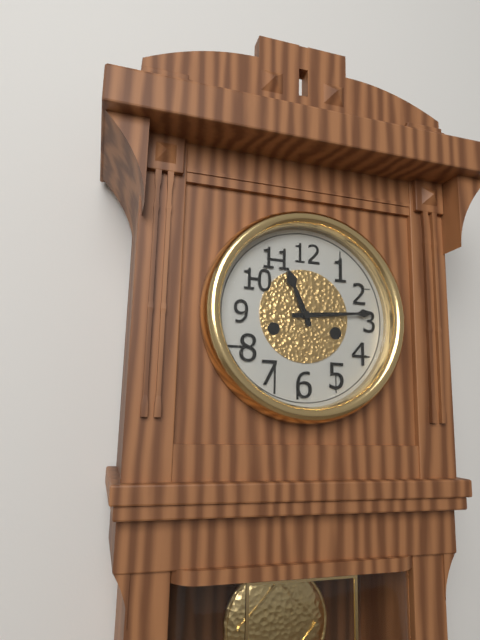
11.14
